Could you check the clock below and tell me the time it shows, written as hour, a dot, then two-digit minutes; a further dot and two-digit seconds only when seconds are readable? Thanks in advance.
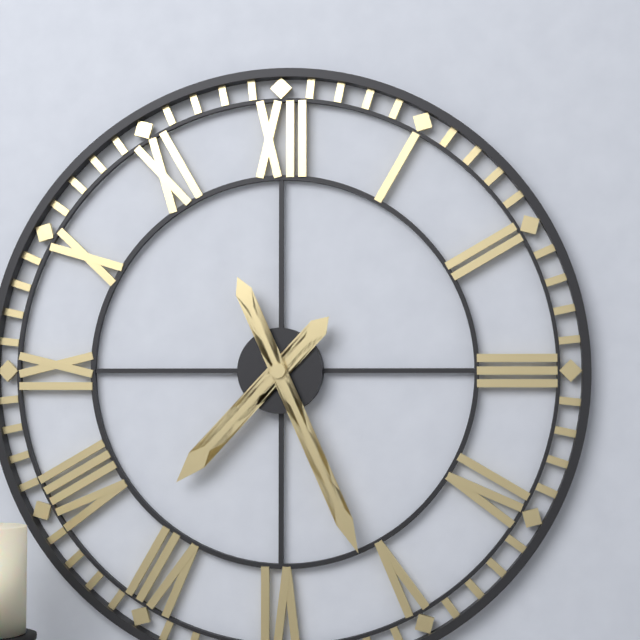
7.26
